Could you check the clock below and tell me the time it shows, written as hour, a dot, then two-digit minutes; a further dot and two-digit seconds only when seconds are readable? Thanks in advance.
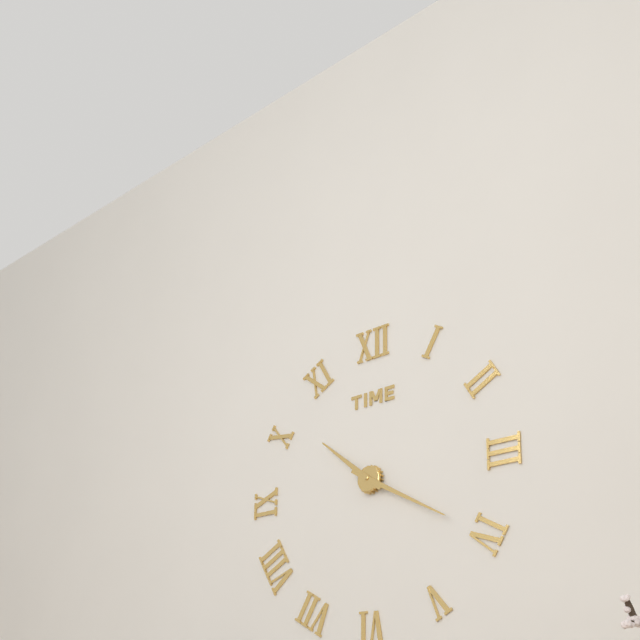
10.20
